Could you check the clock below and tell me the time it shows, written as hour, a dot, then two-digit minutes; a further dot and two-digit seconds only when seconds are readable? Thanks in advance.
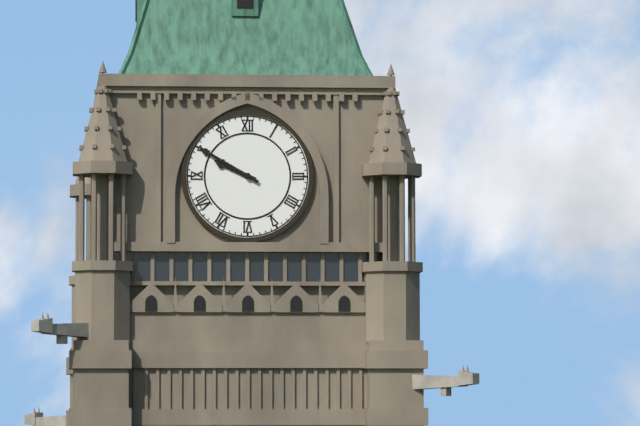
9.50
